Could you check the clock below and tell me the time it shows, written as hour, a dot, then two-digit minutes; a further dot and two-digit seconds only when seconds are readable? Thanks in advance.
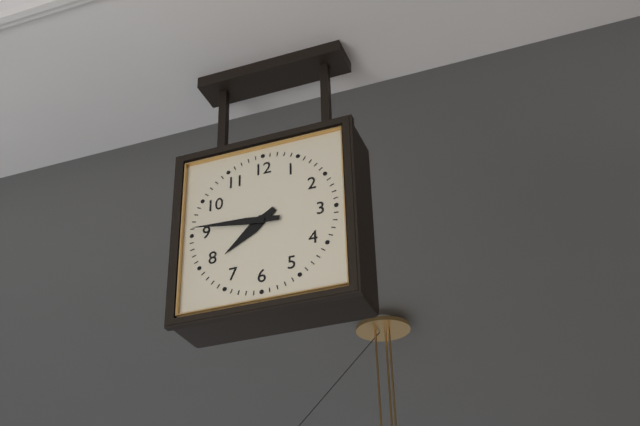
7.46
